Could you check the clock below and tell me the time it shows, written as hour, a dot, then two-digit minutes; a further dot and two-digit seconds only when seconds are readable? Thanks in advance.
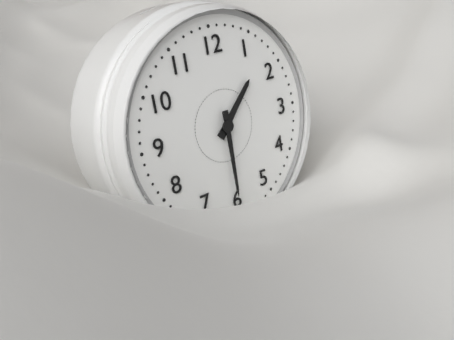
1.30
